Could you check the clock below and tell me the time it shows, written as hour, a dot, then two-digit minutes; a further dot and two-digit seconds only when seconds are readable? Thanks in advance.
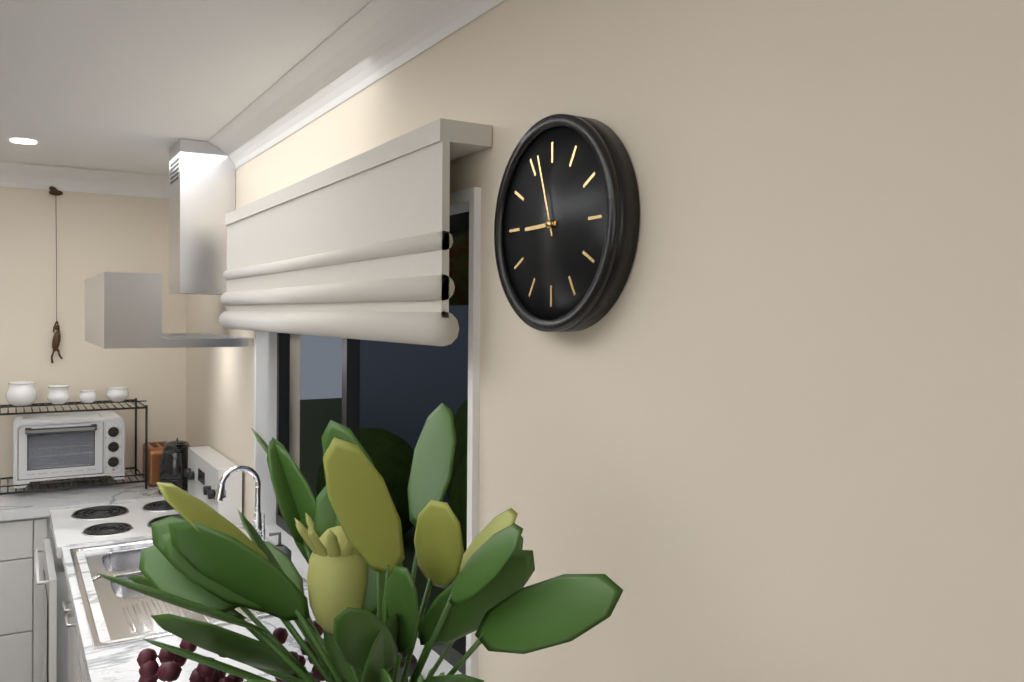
8.57
